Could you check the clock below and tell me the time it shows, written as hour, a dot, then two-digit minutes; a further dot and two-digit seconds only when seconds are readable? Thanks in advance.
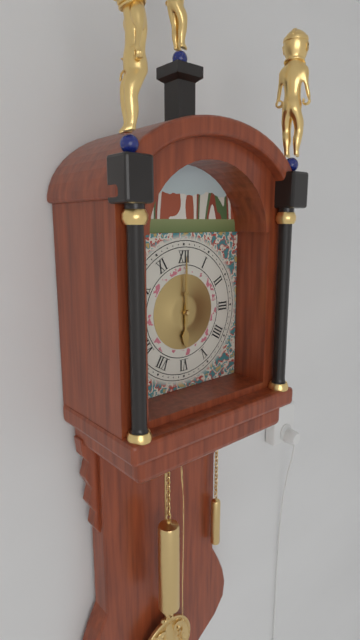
6.00
